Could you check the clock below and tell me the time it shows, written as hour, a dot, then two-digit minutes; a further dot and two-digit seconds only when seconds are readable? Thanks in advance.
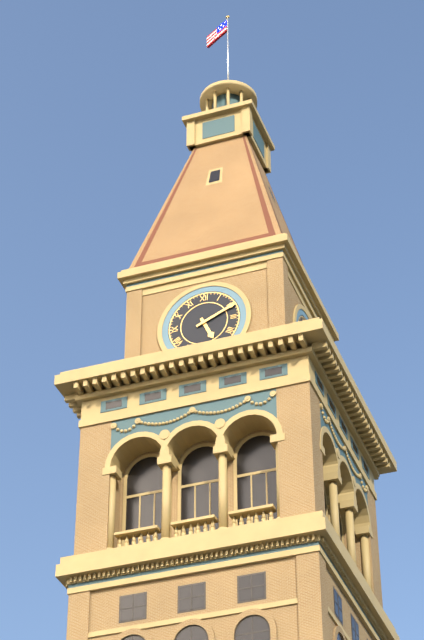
5.11
